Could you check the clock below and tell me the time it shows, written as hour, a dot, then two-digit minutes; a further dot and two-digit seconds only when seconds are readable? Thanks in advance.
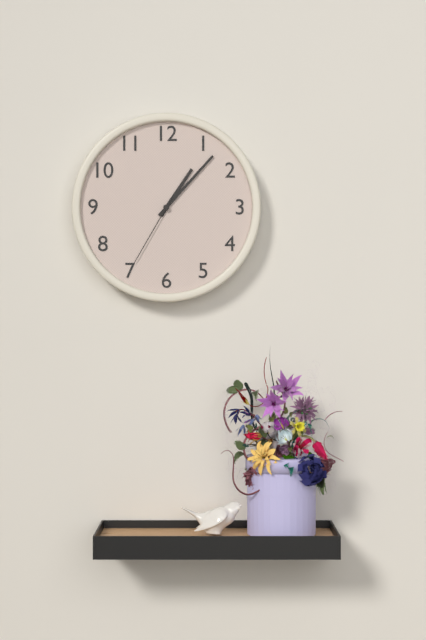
1.07.35
